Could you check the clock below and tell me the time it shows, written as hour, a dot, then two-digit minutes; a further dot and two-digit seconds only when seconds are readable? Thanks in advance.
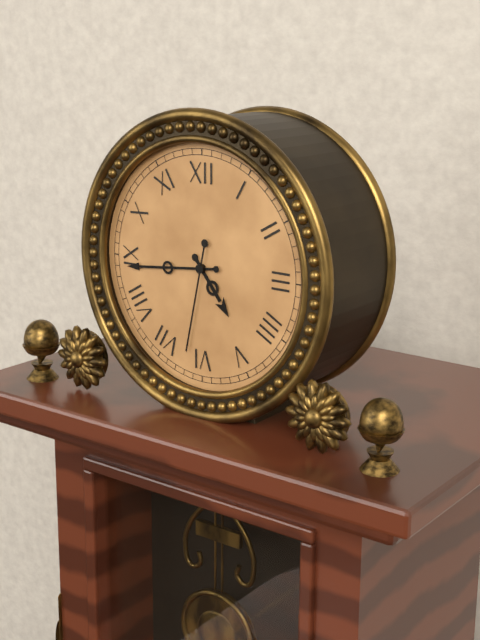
4.44.32
